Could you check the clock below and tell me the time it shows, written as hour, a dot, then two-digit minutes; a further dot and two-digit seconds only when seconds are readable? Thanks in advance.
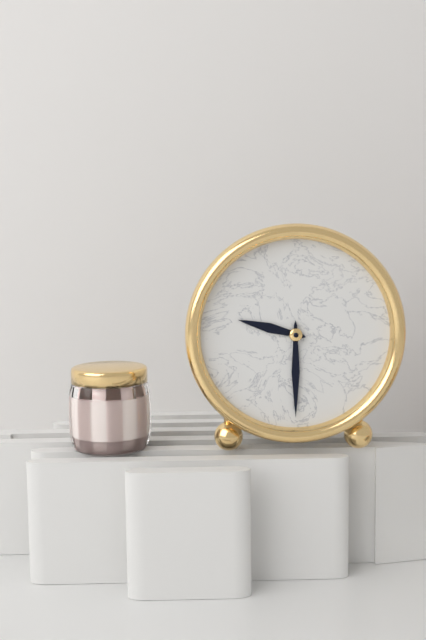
9.30
